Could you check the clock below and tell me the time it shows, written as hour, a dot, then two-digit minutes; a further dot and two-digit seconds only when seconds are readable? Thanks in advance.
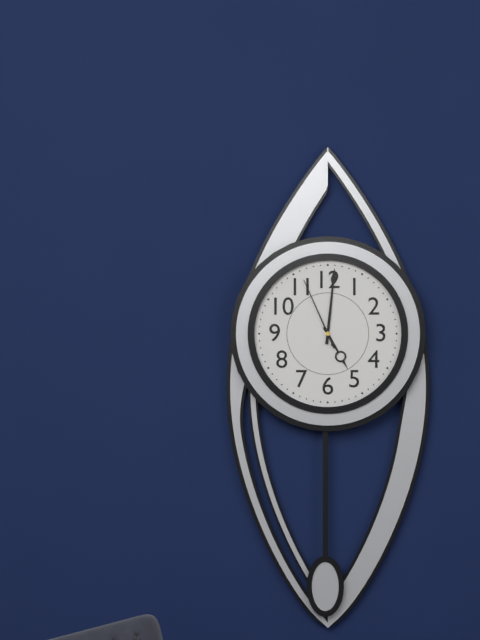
5.01.56
